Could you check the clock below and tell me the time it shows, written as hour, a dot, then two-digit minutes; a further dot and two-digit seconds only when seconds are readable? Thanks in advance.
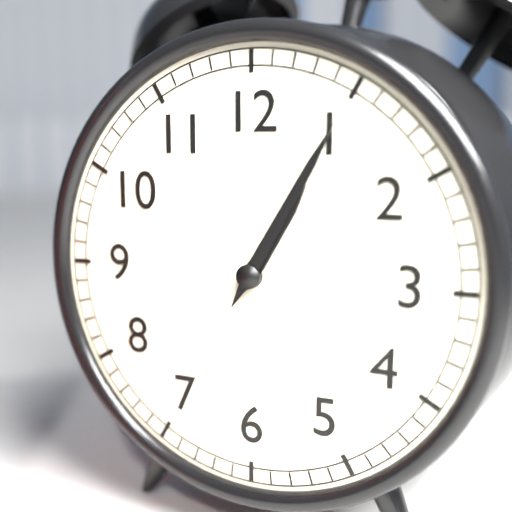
1.05
